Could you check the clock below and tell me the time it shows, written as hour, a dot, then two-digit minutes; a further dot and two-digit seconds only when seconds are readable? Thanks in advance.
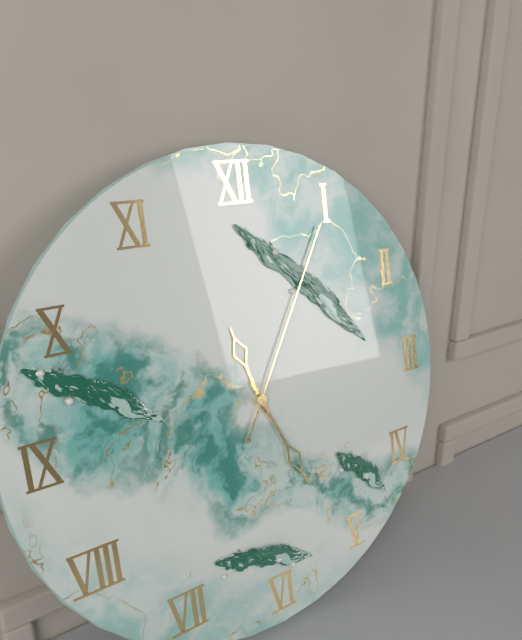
11.26.05
